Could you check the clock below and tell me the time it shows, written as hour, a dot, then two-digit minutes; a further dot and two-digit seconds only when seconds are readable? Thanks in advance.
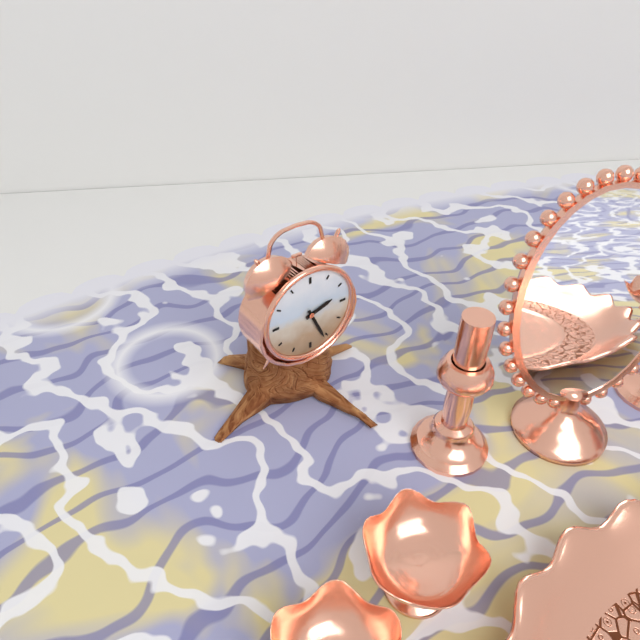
2.26
